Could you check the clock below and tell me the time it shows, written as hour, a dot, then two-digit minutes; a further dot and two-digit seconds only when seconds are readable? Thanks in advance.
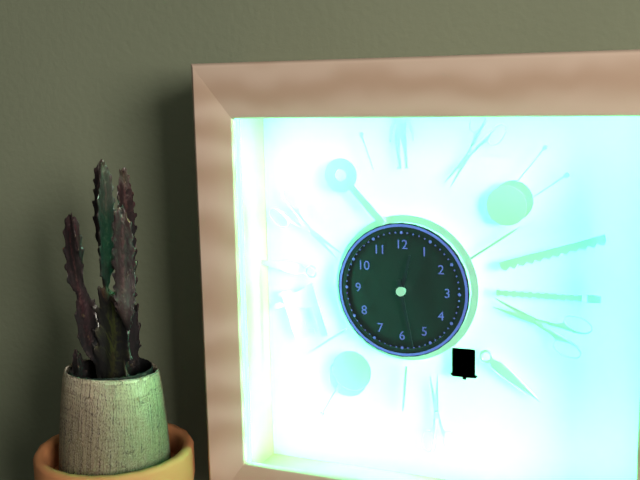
12.28
